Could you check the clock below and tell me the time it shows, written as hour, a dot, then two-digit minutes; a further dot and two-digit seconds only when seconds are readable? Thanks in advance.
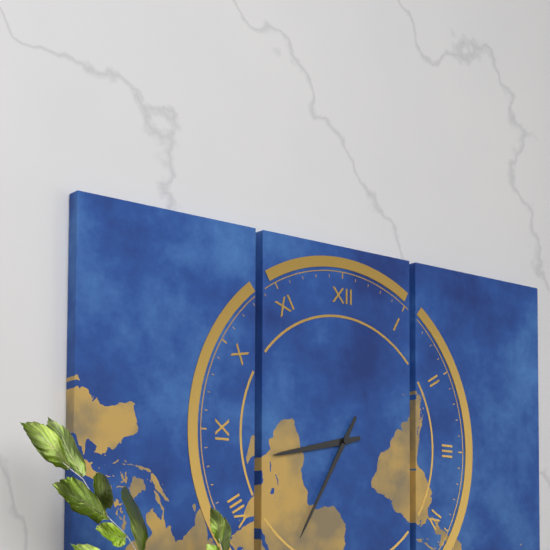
8.35
